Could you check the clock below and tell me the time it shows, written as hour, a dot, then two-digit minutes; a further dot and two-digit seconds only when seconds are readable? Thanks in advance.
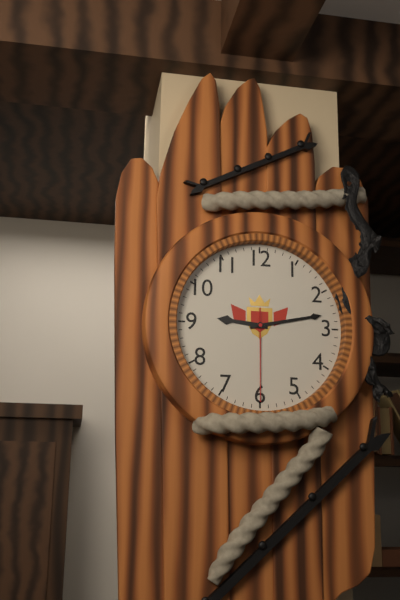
9.13.30
